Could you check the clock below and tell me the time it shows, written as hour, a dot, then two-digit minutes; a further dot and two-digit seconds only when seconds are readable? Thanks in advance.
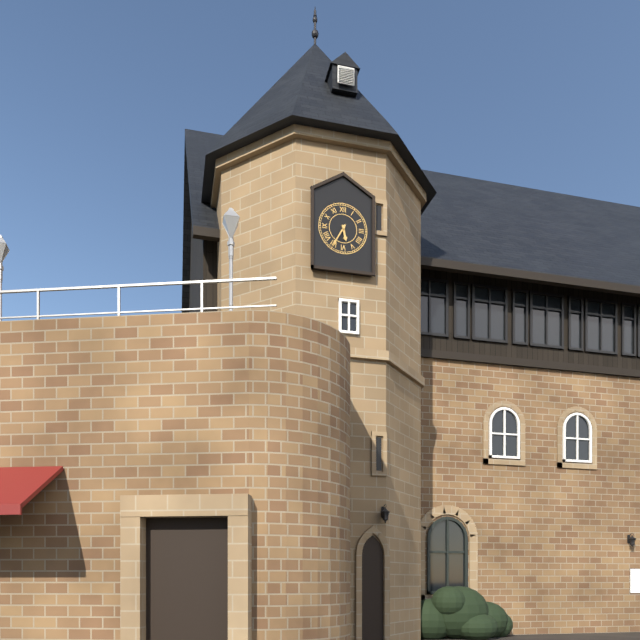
5.35
